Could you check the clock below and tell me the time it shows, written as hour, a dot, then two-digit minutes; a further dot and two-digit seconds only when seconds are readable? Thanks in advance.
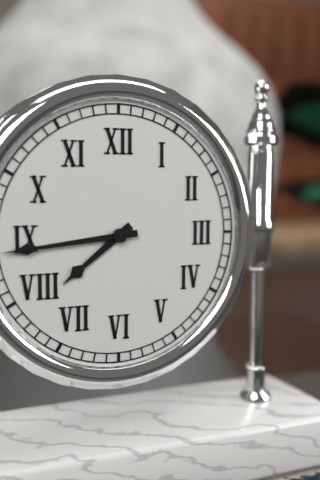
7.44
